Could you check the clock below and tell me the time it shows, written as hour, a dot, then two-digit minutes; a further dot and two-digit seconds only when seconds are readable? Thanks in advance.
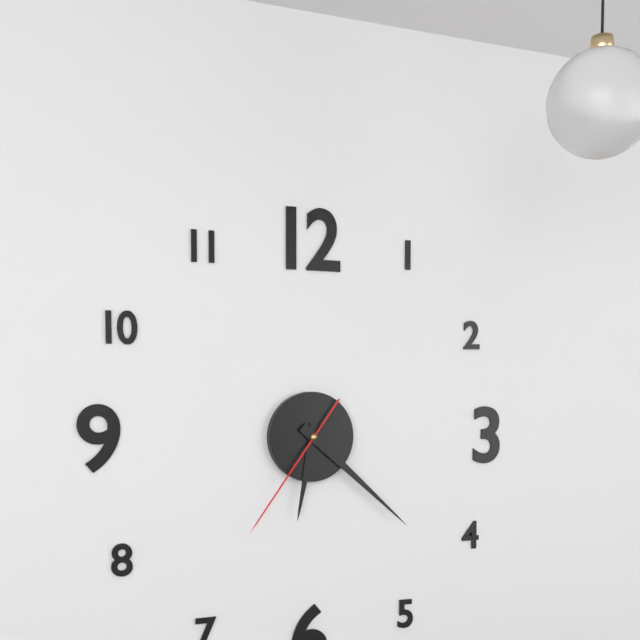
6.22.36
